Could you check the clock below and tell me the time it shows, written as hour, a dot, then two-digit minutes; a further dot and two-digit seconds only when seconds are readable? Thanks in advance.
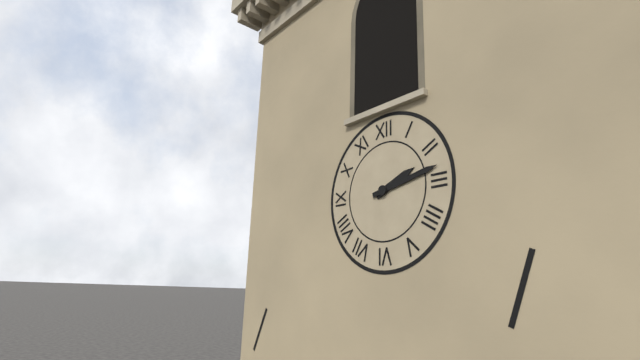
2.13
